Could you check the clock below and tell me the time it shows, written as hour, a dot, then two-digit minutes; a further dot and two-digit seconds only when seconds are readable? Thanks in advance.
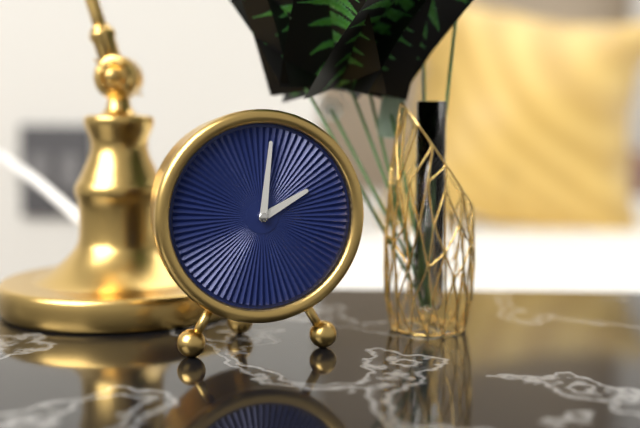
2.01
